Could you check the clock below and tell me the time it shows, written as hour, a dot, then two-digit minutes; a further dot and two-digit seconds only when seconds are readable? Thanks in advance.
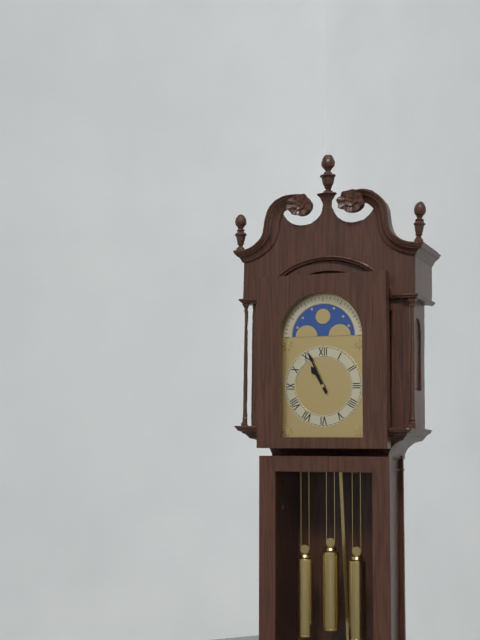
10.56
